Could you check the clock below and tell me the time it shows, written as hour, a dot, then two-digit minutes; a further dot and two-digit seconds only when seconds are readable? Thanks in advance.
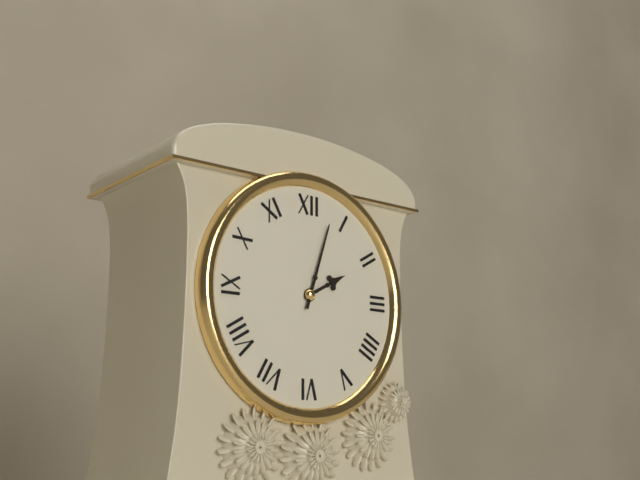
2.03
